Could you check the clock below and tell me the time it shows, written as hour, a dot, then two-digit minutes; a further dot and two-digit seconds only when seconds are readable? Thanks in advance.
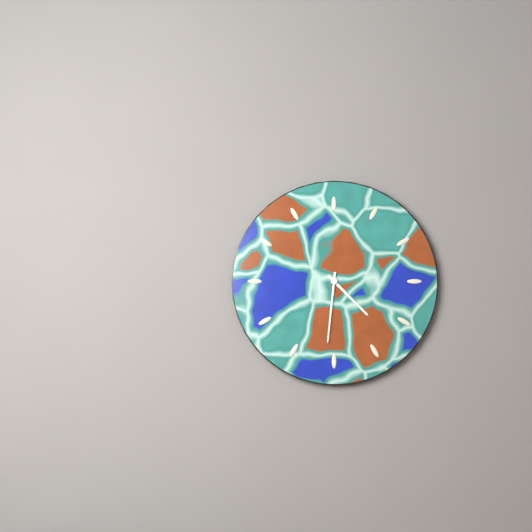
4.31
